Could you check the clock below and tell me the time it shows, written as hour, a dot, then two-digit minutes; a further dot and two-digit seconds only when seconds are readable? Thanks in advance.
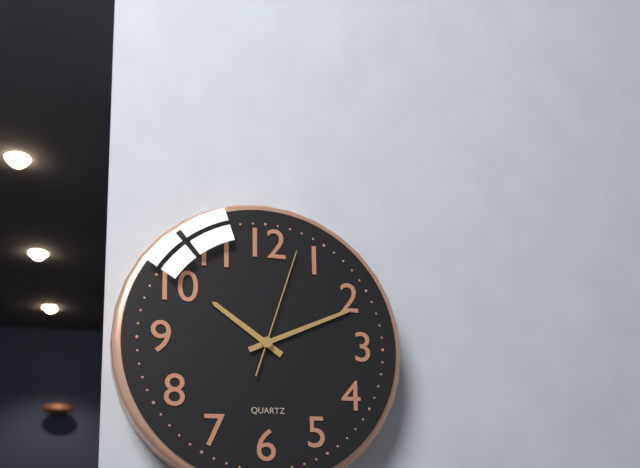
10.11.03
